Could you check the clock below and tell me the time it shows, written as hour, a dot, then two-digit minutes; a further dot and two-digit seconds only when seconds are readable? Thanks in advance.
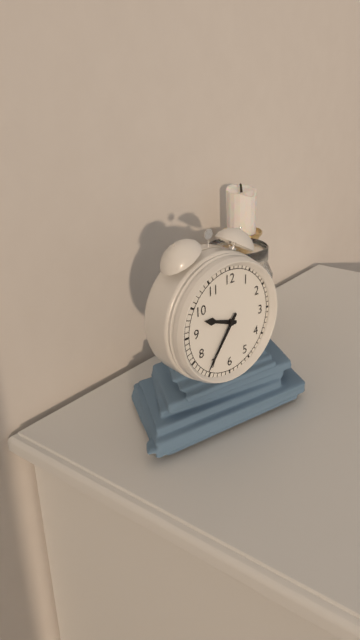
9.36
